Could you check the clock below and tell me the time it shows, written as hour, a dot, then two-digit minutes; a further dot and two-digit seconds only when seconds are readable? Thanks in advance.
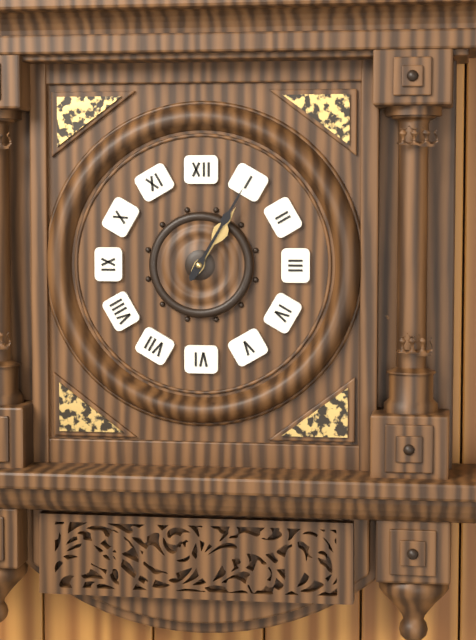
1.05
